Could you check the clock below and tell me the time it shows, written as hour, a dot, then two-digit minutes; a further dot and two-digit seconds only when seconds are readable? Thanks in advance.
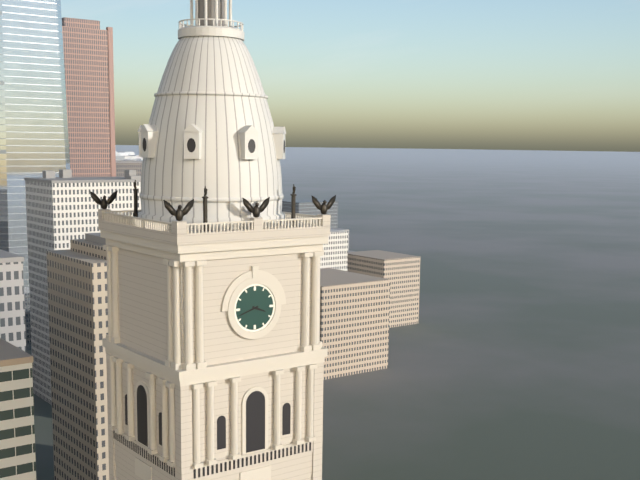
3.42
